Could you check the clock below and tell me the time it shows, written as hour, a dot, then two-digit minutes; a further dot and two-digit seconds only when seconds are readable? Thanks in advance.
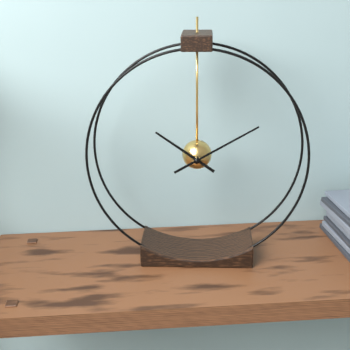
10.10
